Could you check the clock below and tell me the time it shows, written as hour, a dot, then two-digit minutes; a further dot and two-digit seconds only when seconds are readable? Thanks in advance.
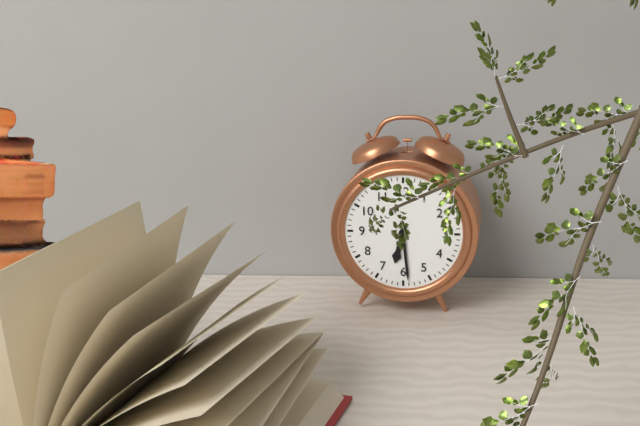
6.29
